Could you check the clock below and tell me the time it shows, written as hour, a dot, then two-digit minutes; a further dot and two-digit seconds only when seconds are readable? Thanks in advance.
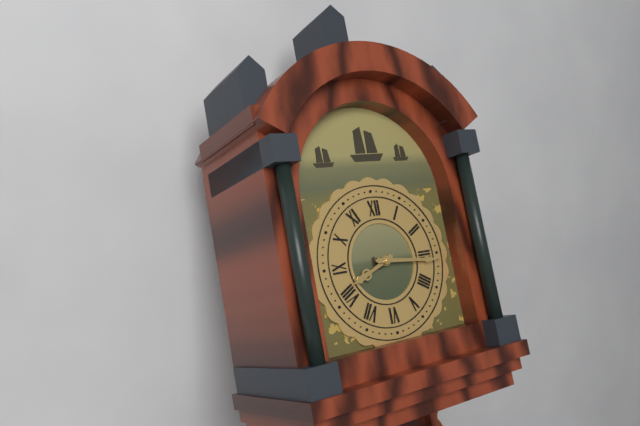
8.16
